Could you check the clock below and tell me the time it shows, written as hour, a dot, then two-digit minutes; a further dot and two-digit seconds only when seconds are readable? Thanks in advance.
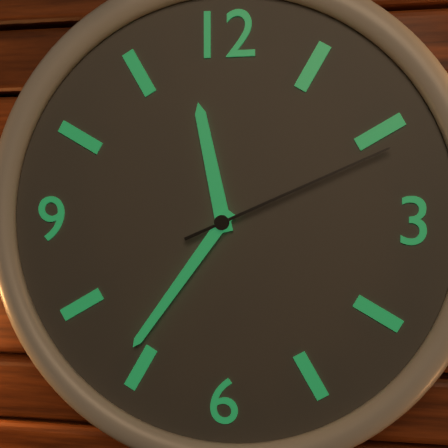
11.36.11
